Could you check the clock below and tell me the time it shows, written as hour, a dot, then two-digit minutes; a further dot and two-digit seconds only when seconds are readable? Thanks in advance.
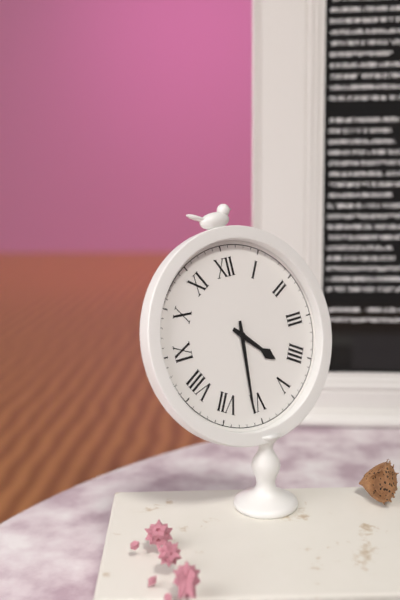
4.31
